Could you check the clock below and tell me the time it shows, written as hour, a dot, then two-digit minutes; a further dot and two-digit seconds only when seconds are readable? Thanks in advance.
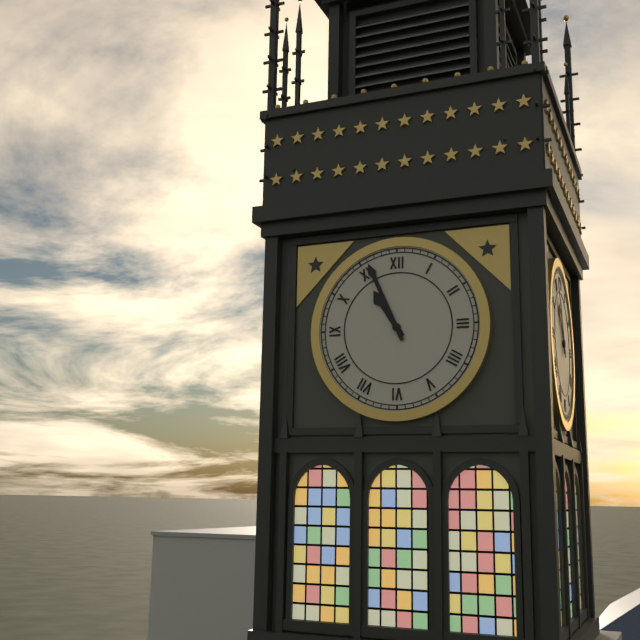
10.56
